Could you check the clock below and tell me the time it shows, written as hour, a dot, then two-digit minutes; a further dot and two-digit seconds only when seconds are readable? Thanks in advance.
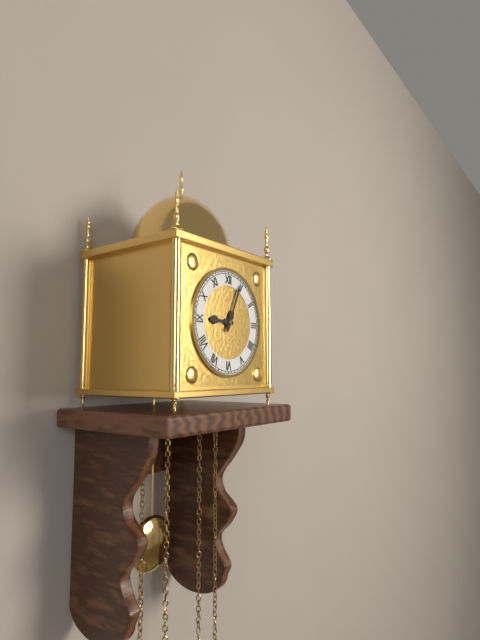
9.04
